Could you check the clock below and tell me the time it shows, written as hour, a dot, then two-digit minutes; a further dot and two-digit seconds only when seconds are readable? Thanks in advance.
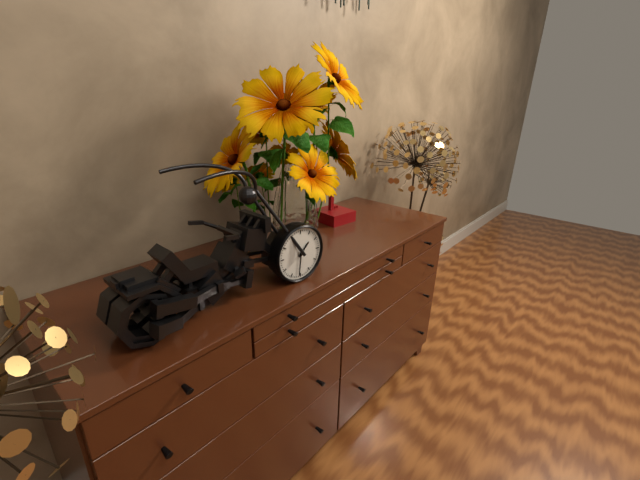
1.31
